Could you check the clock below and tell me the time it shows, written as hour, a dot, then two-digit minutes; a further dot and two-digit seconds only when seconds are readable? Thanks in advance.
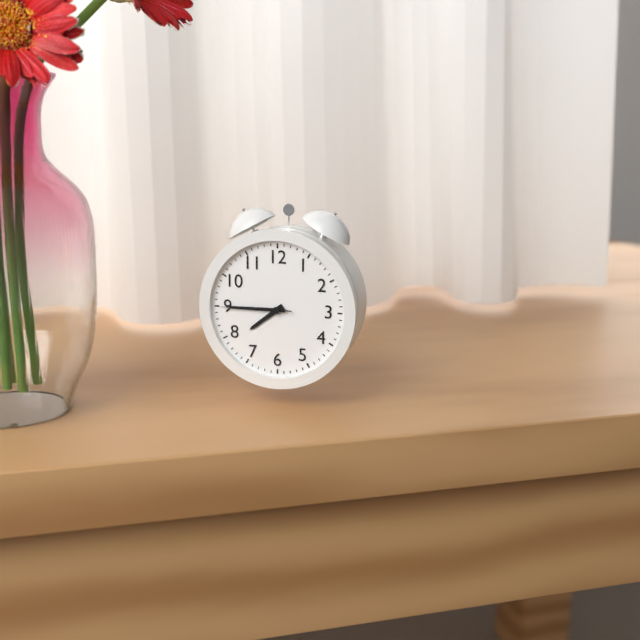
7.45.45
